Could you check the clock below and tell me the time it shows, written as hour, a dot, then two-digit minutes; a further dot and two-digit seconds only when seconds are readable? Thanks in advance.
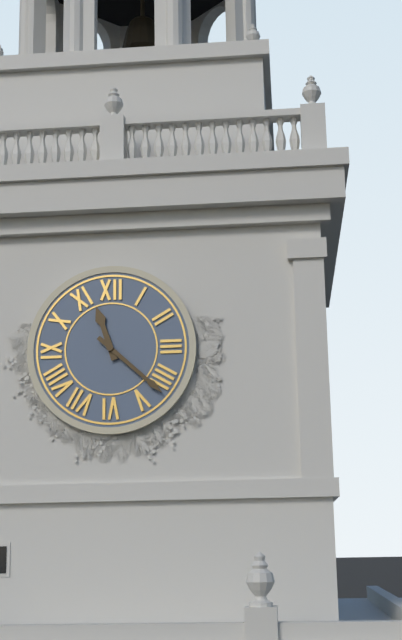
11.22
